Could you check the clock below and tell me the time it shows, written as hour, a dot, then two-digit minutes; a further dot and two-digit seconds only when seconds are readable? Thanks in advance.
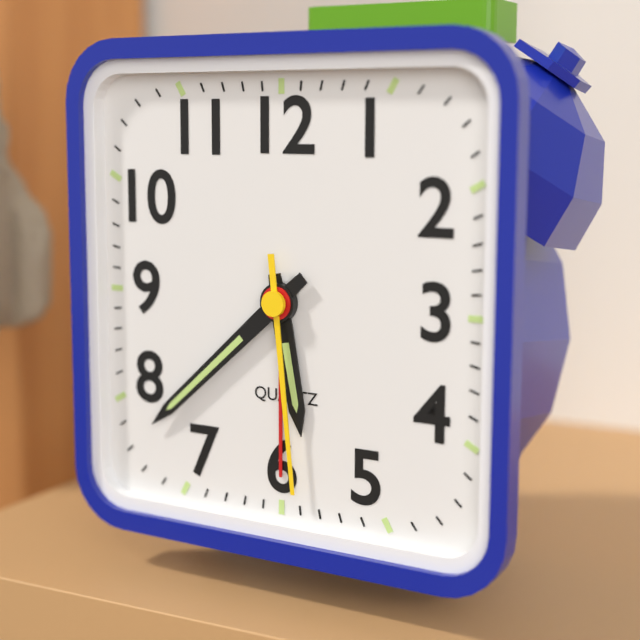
5.38.29
